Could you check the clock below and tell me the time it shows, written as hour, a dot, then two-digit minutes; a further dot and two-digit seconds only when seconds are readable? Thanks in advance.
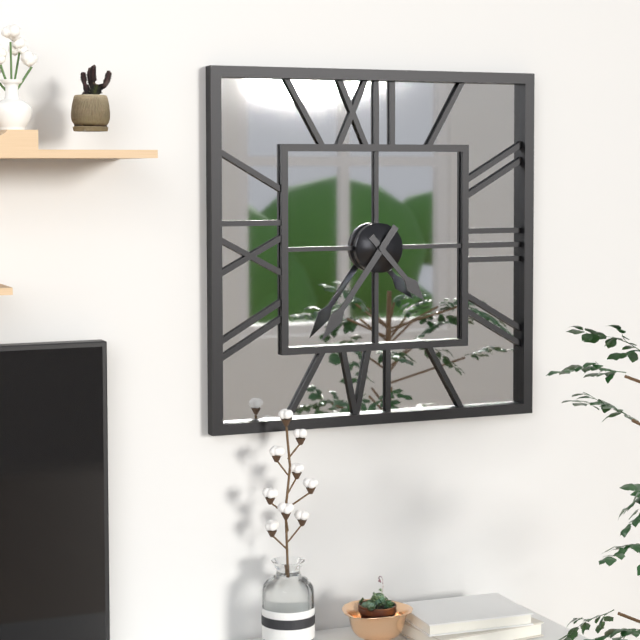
4.36
